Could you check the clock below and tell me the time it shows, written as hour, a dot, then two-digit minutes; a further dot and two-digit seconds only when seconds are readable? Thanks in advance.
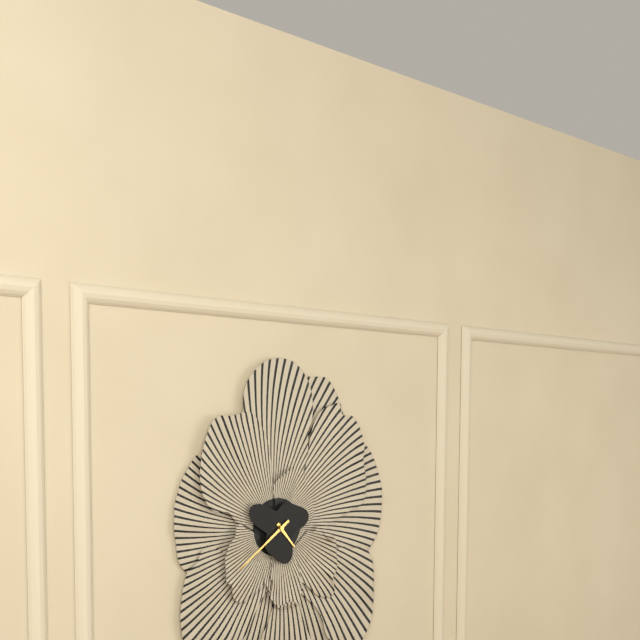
4.39
